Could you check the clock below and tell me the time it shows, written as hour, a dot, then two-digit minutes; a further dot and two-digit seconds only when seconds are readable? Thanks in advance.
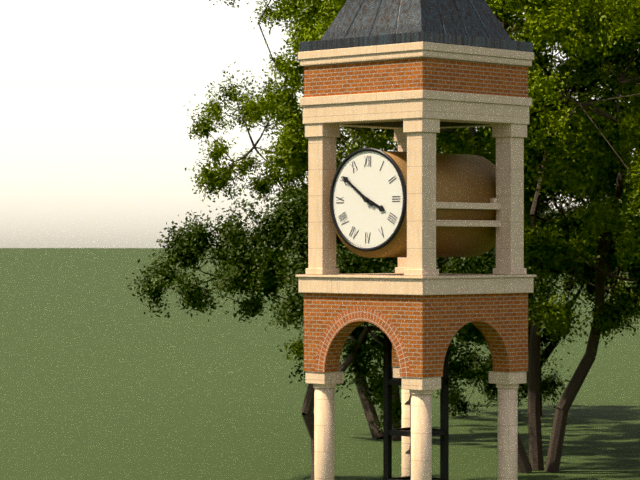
3.51
